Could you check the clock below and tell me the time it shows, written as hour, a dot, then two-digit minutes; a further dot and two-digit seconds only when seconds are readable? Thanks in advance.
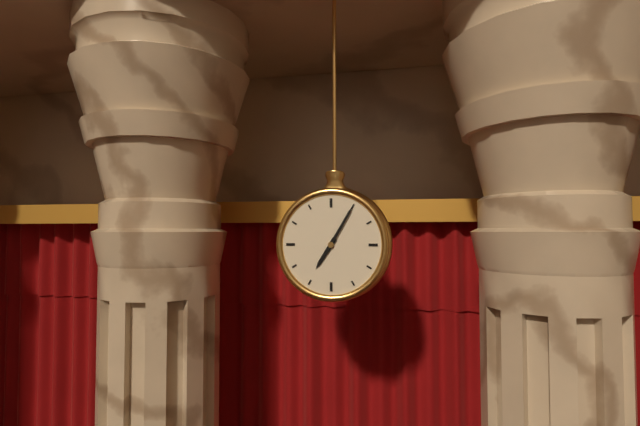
7.05
